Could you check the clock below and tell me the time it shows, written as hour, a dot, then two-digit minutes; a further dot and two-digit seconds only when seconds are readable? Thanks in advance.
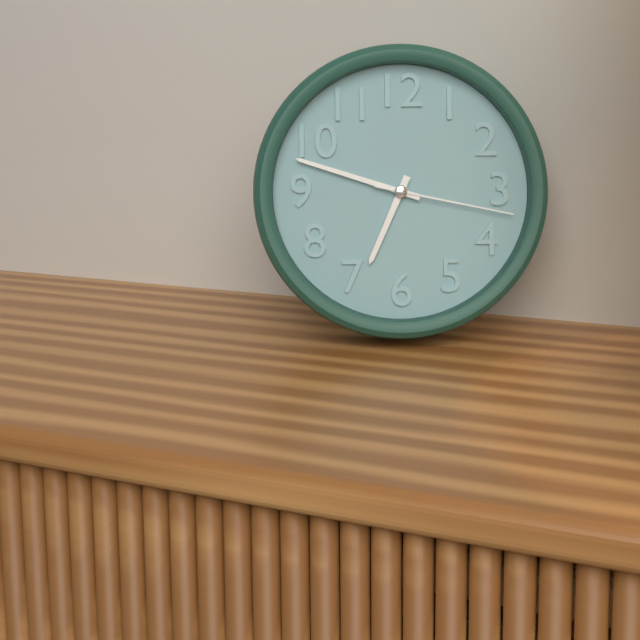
6.48.17
